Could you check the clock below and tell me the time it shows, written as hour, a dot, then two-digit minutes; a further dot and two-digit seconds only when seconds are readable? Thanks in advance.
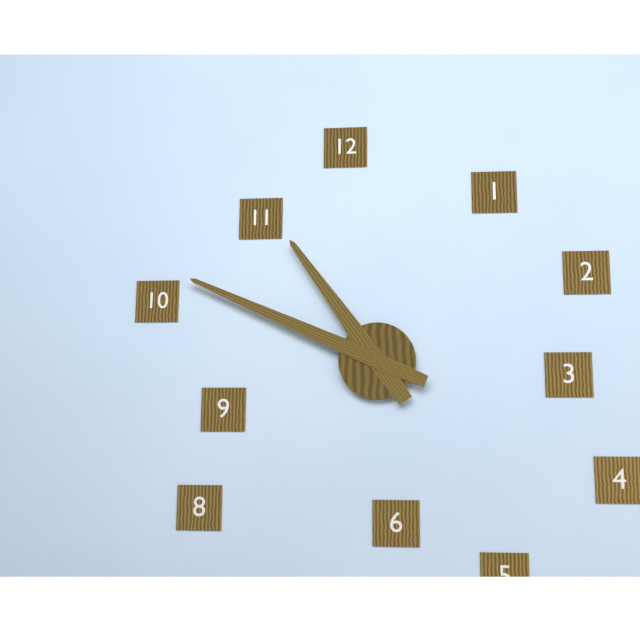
10.49
